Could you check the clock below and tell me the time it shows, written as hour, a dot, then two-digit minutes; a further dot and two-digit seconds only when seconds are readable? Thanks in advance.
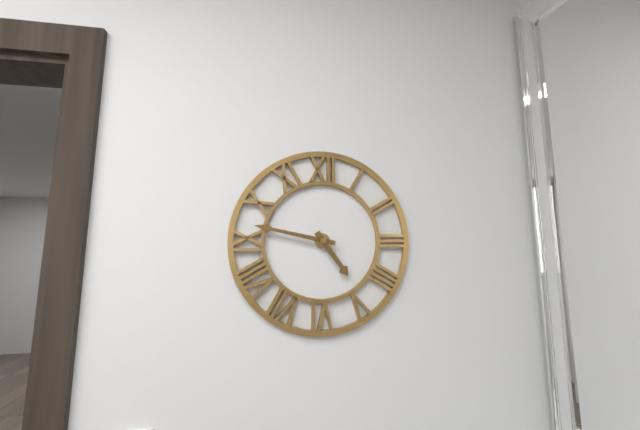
4.47
